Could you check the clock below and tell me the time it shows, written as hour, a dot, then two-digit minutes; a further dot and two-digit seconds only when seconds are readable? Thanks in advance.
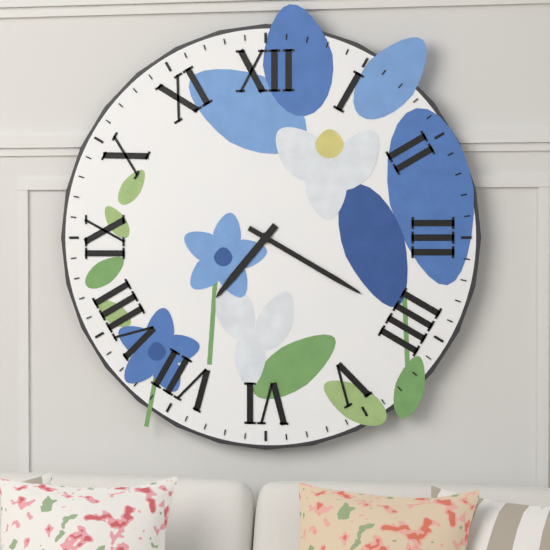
7.20
